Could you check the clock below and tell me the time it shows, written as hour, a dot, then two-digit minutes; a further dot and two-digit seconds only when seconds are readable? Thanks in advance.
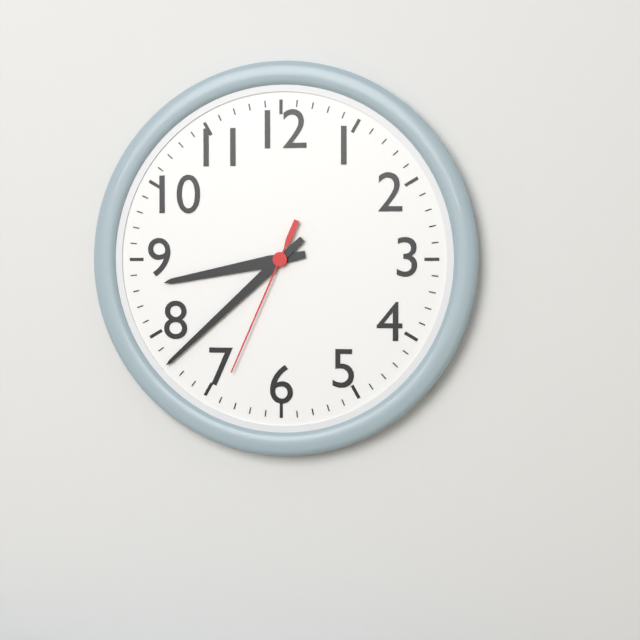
8.38.34
